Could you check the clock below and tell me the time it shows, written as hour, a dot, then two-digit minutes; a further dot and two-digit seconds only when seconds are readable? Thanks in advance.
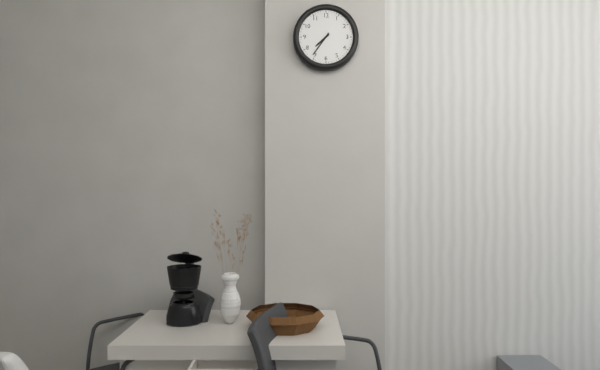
7.36
